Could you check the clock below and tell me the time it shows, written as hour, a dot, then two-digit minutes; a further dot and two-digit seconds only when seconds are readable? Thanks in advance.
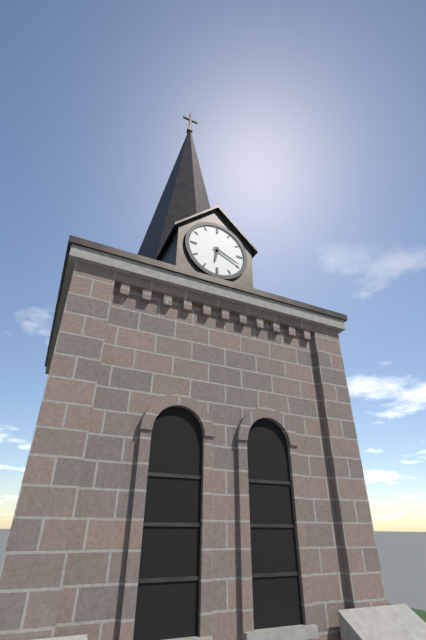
6.19
